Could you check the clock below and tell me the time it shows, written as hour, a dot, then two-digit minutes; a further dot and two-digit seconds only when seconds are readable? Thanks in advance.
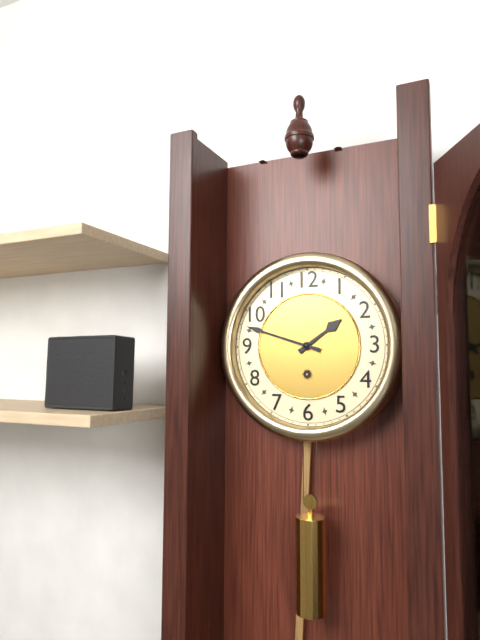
1.48
